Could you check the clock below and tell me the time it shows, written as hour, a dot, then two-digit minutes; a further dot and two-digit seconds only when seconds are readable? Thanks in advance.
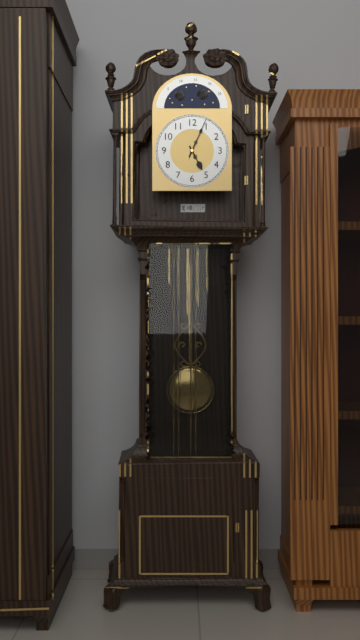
5.04
